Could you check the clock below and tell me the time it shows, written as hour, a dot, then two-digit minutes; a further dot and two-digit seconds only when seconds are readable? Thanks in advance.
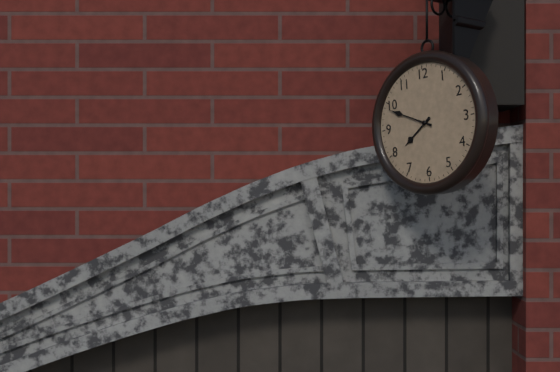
7.49
